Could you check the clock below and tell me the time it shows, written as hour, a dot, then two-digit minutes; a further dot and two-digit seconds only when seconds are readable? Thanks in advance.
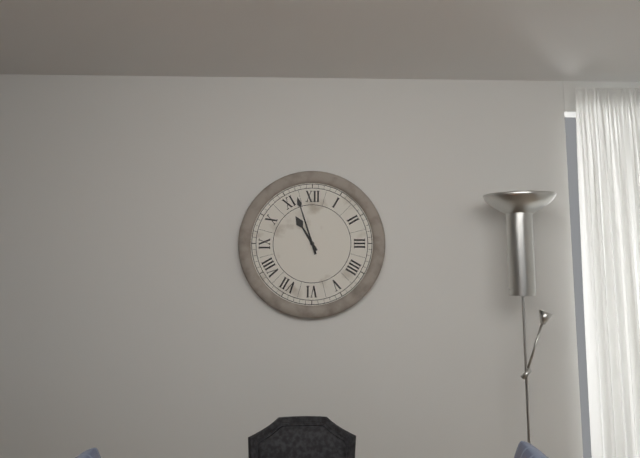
10.57
